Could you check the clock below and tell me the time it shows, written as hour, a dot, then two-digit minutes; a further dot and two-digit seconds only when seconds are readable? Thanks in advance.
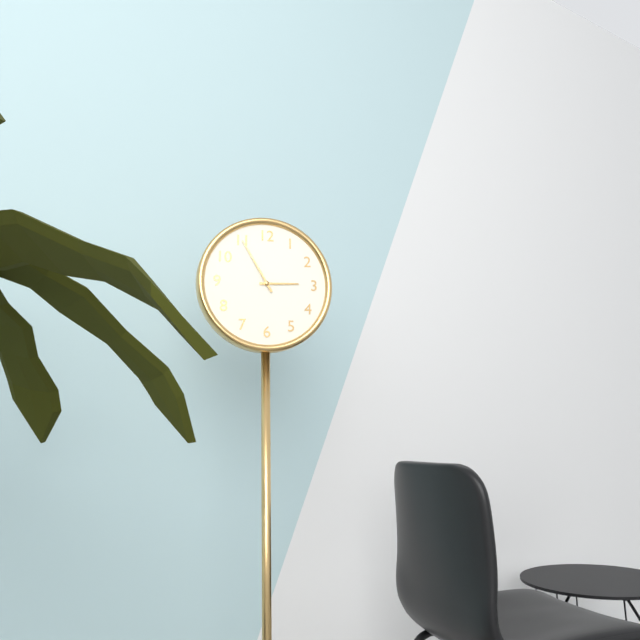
2.55
